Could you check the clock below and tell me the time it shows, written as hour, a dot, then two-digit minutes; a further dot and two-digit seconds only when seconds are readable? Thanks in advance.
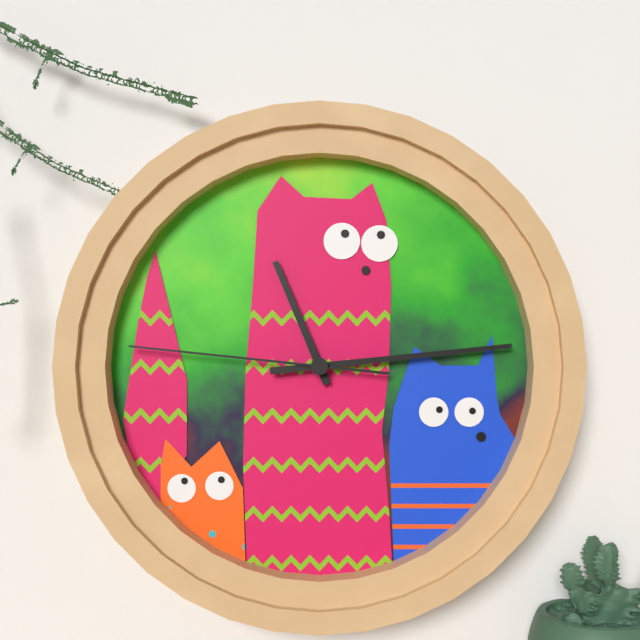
11.14.46
